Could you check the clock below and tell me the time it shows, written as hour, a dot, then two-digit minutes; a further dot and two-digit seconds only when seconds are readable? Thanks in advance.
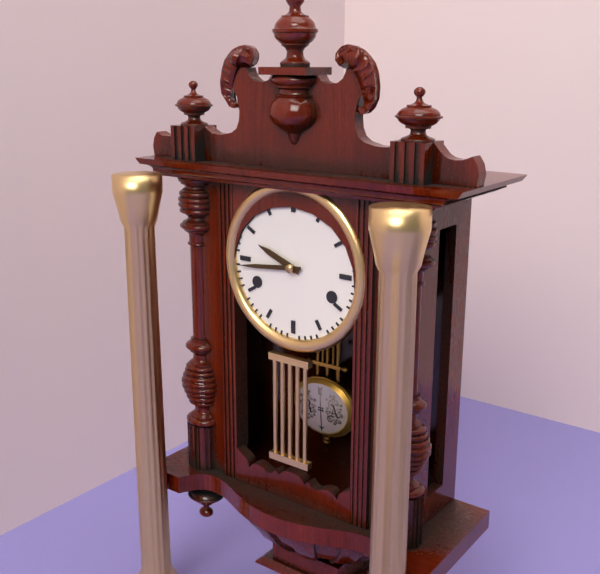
9.44
